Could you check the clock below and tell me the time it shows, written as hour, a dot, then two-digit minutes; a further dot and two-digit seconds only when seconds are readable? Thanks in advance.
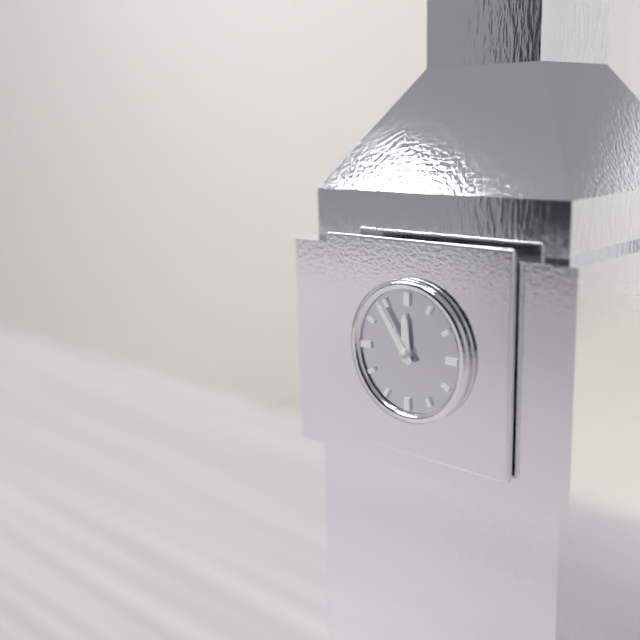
11.54
